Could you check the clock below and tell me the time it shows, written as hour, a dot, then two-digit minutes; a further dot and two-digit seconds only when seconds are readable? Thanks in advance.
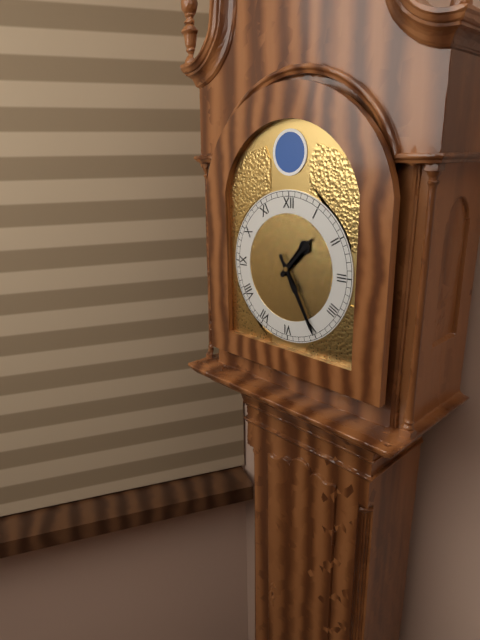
1.25
